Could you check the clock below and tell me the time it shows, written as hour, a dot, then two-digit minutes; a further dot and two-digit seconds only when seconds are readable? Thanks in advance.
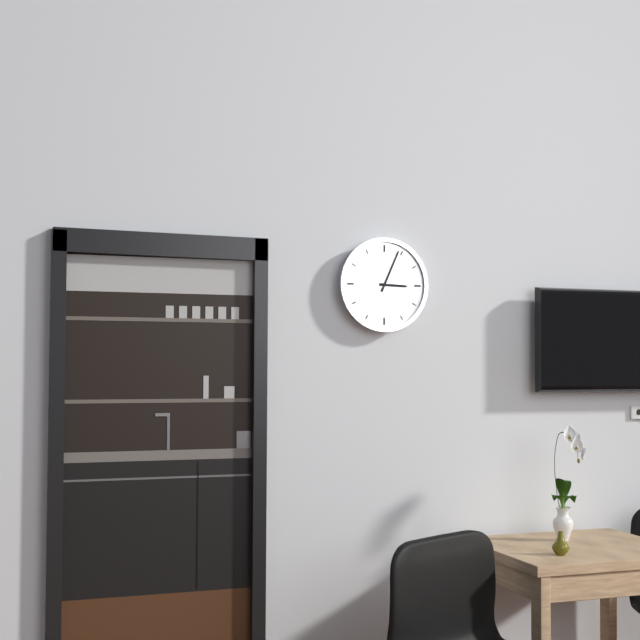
3.04
